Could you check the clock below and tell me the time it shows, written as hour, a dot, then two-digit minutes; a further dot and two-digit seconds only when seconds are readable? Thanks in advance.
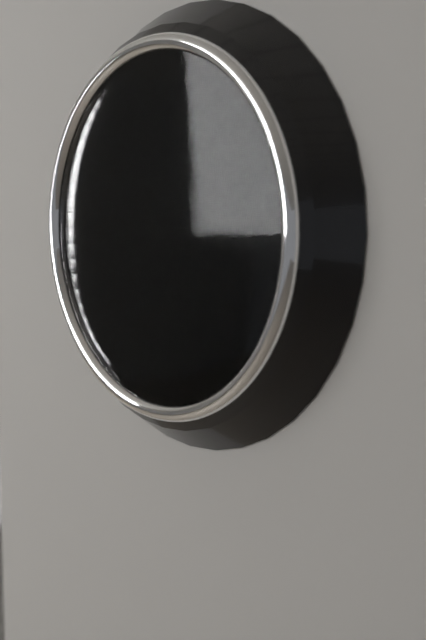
12.39
